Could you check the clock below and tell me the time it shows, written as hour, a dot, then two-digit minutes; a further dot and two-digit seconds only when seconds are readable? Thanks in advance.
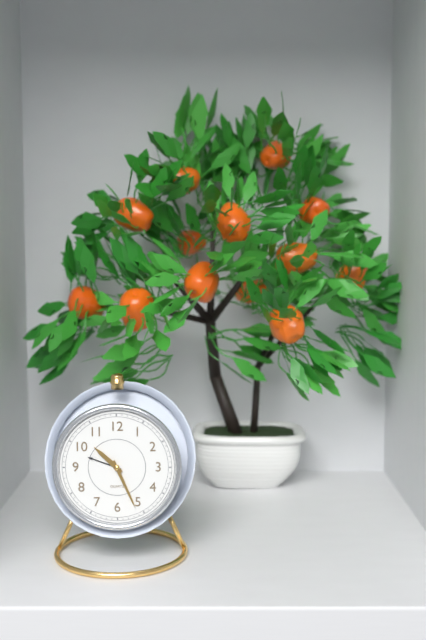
10.26
